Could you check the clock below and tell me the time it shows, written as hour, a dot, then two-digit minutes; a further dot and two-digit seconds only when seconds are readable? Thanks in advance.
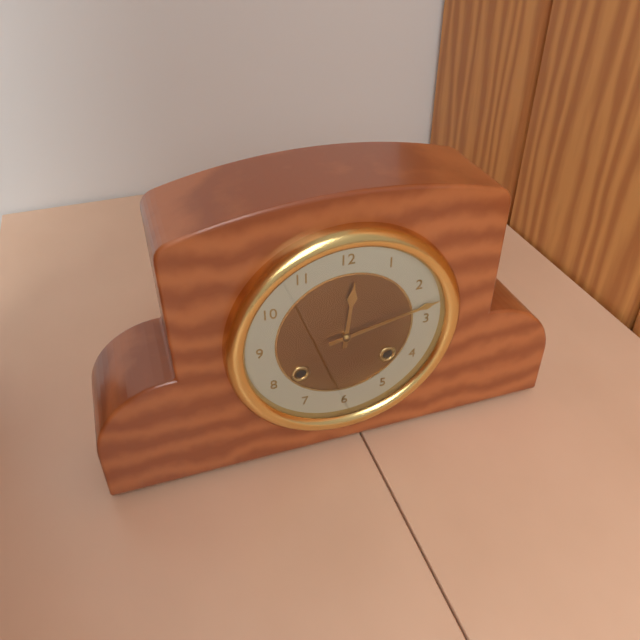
12.13
